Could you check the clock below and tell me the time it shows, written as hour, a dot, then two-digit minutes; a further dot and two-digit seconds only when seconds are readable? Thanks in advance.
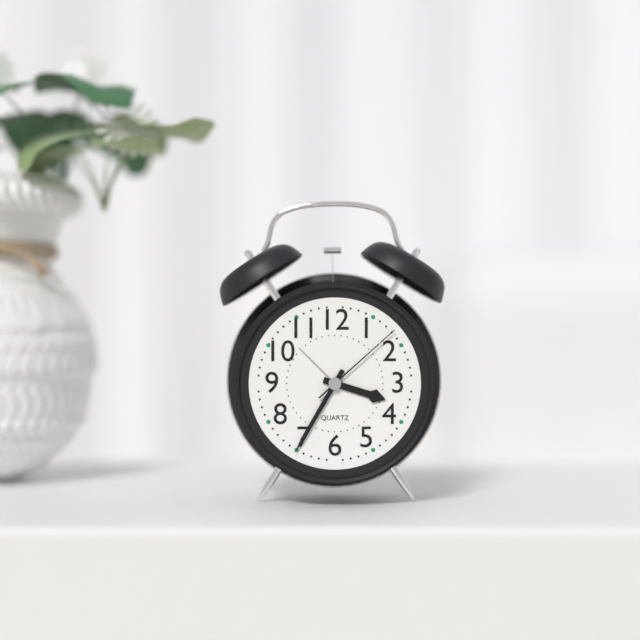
3.35.08
